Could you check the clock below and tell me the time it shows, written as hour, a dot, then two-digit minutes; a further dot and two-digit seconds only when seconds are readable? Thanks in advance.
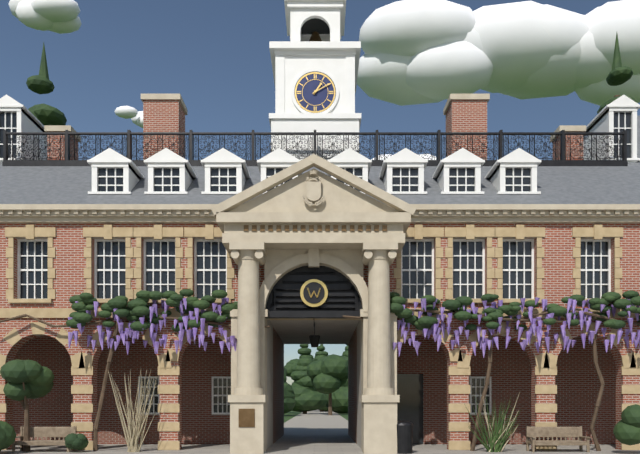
1.10
